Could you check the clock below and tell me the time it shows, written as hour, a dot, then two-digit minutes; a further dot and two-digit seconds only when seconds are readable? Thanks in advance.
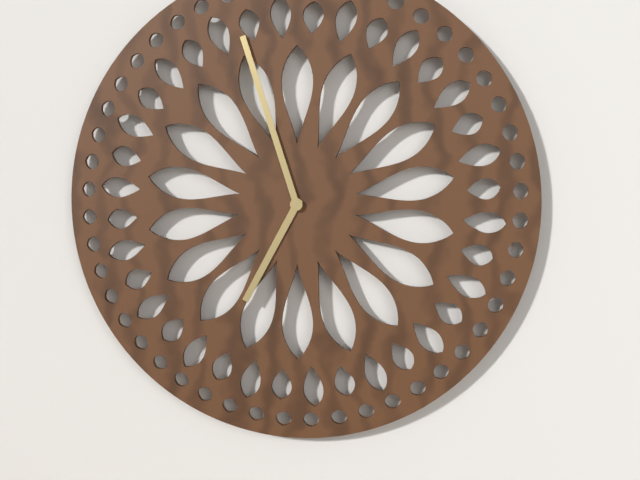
6.57
